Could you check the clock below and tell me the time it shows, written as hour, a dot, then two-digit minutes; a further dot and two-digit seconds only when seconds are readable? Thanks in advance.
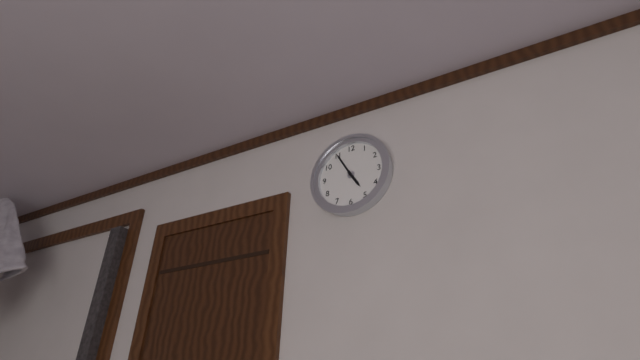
4.55
